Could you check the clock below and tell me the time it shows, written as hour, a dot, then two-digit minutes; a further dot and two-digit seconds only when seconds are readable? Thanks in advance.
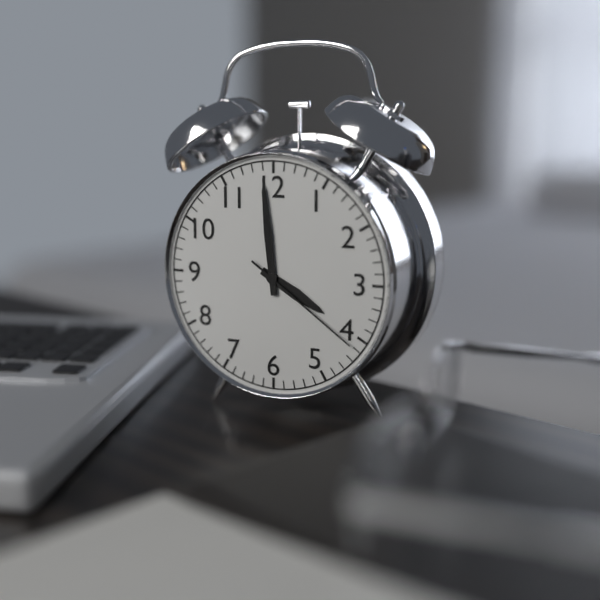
3.59.21
